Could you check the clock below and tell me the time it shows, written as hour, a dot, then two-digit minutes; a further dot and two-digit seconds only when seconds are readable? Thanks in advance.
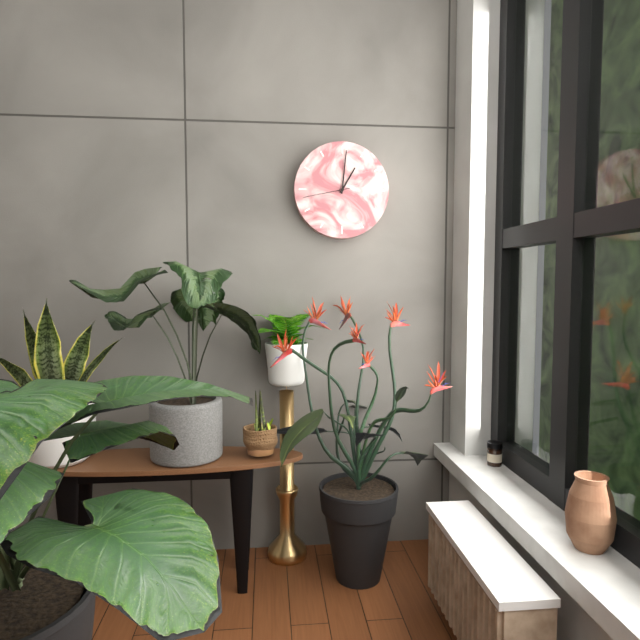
1.01.43
